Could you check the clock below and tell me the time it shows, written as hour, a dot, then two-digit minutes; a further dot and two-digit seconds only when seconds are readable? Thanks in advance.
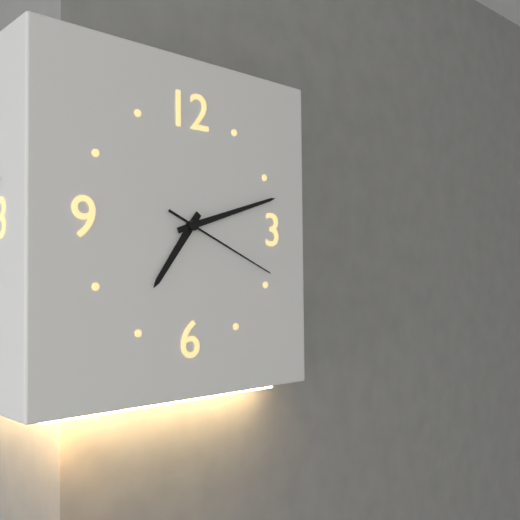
7.12.19
